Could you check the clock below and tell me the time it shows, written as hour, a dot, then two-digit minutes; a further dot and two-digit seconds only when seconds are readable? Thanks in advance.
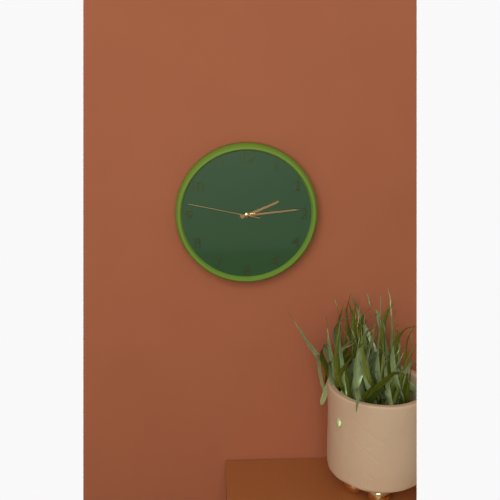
2.14.47
